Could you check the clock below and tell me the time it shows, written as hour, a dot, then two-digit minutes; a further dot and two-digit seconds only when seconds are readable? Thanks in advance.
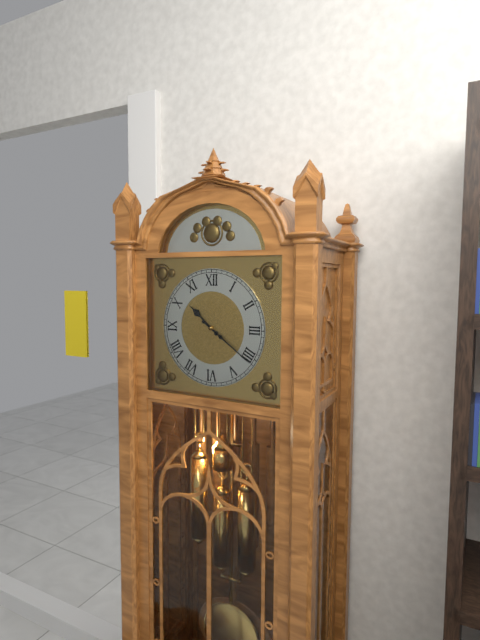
10.21
